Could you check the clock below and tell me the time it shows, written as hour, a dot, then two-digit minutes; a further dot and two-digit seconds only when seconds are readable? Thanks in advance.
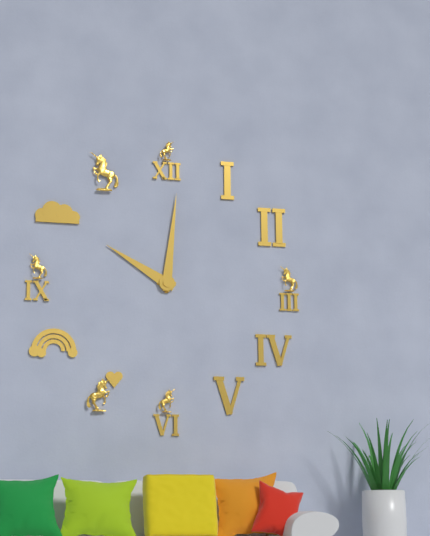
10.01
